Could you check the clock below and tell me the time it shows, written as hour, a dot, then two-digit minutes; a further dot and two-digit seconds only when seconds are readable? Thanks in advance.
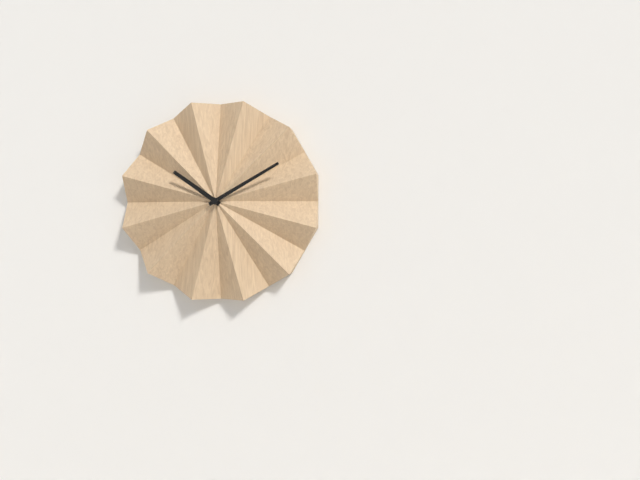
10.10
